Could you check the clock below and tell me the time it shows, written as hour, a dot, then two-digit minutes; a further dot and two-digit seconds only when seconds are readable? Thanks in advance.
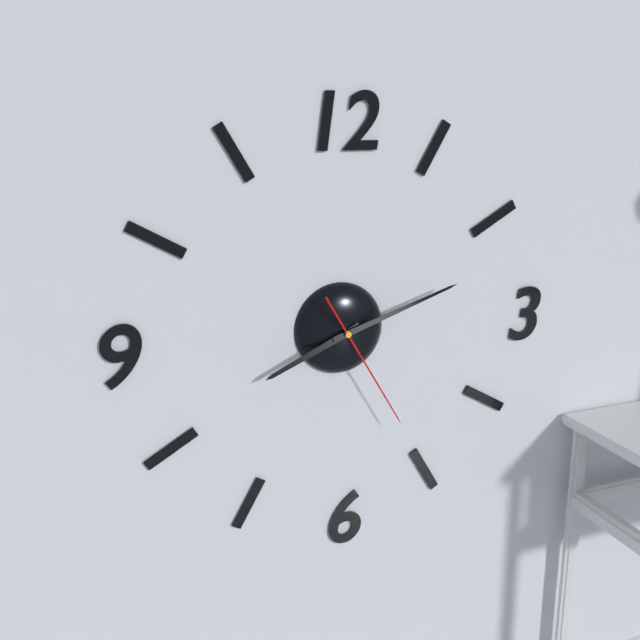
8.12.25
